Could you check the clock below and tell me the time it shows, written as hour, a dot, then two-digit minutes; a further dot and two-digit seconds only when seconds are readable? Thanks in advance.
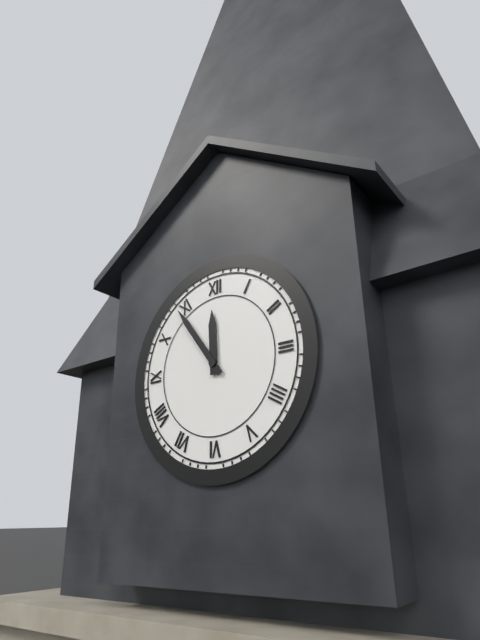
11.54
